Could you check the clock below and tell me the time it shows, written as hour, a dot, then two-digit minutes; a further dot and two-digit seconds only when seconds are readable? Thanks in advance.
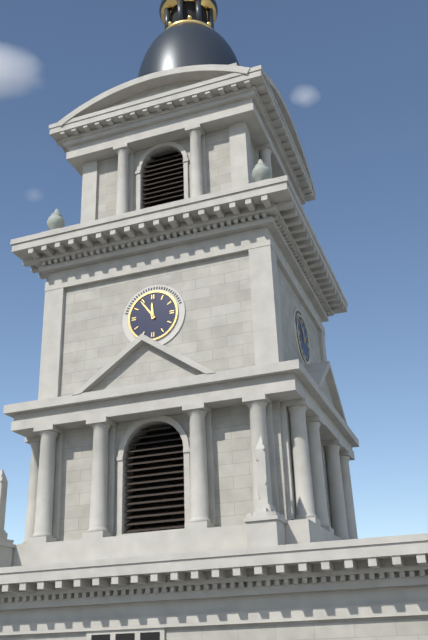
11.54
